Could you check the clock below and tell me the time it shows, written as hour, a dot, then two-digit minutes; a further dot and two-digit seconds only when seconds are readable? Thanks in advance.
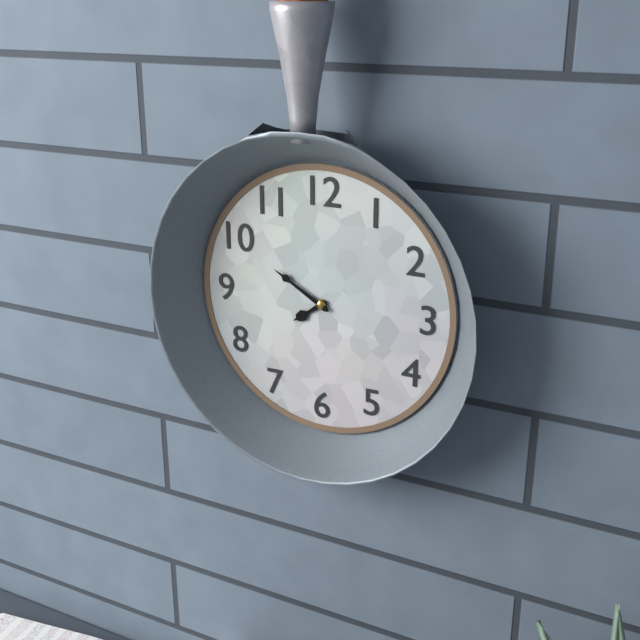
7.50
